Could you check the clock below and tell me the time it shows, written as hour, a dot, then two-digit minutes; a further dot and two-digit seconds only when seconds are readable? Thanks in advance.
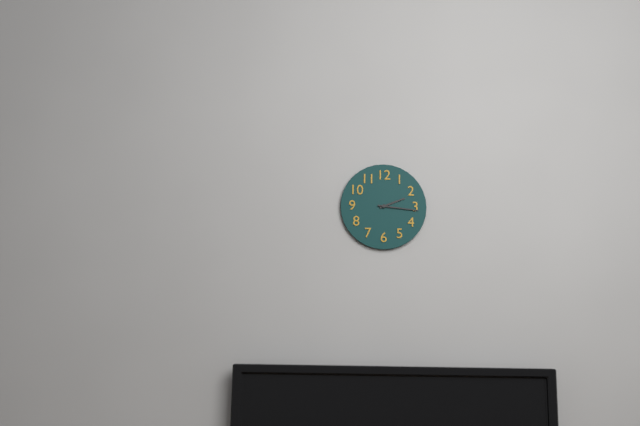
2.16
